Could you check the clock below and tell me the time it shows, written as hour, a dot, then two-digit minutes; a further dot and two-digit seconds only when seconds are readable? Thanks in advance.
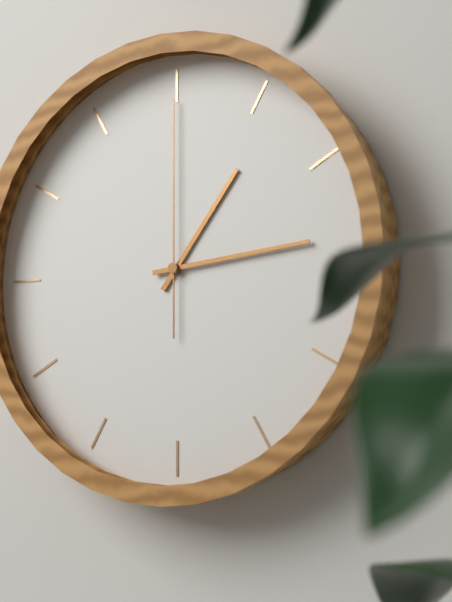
1.14.00
